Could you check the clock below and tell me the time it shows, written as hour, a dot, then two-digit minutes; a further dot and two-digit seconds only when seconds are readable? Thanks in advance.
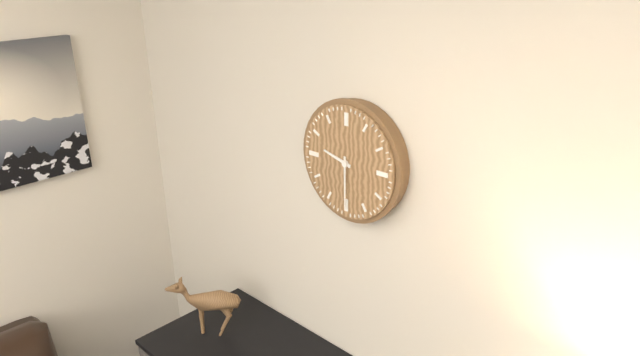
9.30
